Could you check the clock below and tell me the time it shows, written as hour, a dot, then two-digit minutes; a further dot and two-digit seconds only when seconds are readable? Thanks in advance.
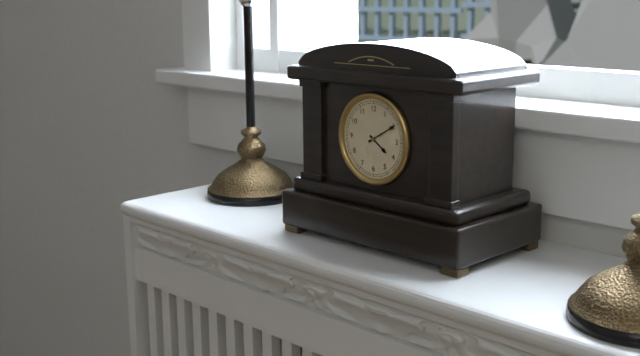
4.10
